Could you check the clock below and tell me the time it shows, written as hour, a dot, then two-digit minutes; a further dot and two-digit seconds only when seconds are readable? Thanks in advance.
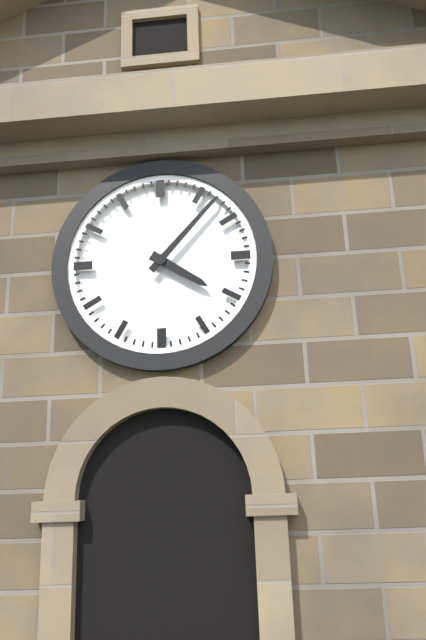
4.07
